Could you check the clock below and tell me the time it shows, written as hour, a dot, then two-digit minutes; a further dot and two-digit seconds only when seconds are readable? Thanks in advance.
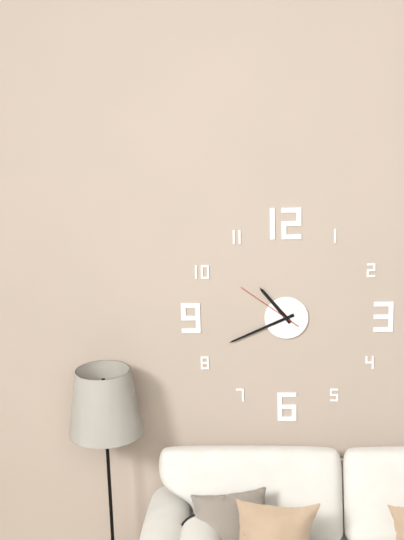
10.41.51
